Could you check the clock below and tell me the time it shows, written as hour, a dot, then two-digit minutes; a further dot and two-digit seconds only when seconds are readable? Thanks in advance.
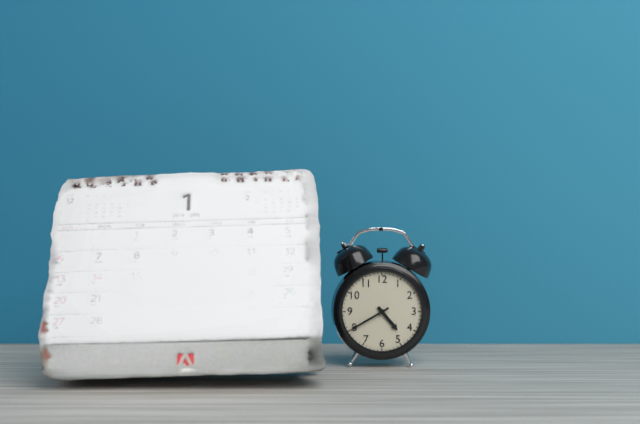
4.40
